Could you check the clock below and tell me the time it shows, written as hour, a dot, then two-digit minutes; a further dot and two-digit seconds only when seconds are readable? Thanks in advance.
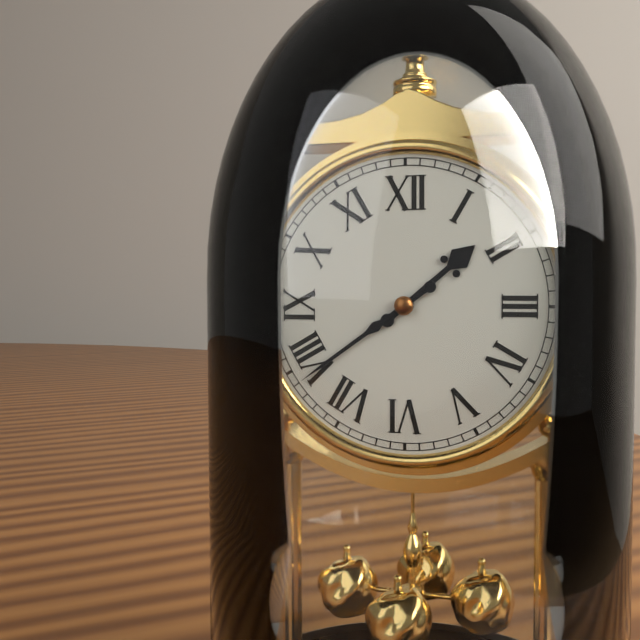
1.39
